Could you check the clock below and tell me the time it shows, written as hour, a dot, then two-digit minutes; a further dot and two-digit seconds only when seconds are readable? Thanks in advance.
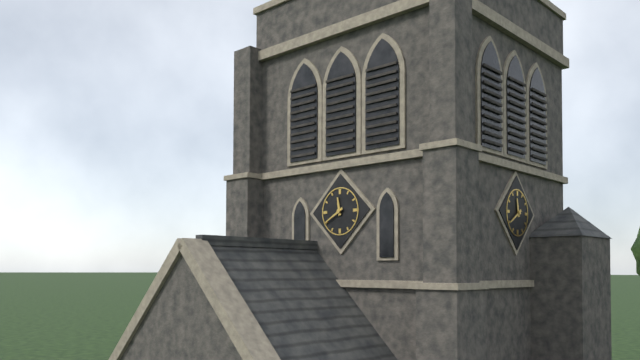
11.40
